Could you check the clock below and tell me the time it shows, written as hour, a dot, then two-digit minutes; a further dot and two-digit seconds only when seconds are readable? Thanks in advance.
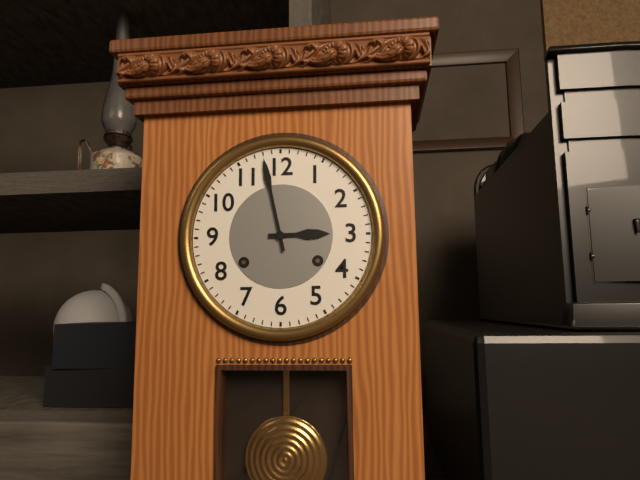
2.58
